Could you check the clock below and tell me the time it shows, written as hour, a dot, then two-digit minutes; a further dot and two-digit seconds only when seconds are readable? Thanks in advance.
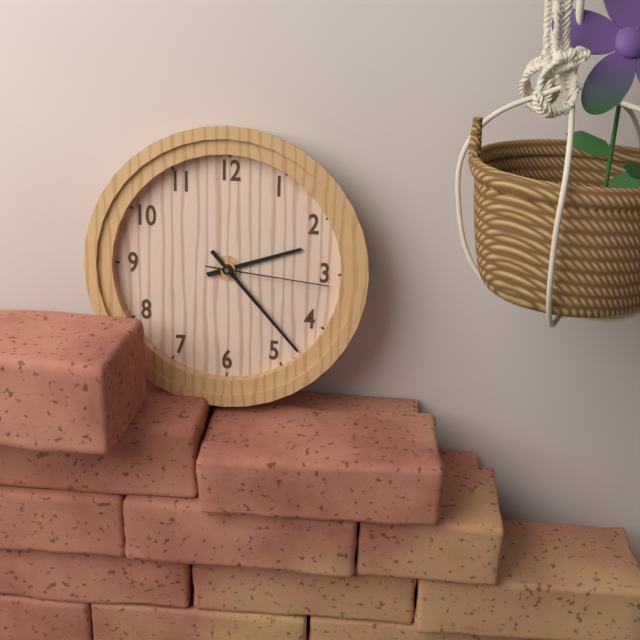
2.23.16
